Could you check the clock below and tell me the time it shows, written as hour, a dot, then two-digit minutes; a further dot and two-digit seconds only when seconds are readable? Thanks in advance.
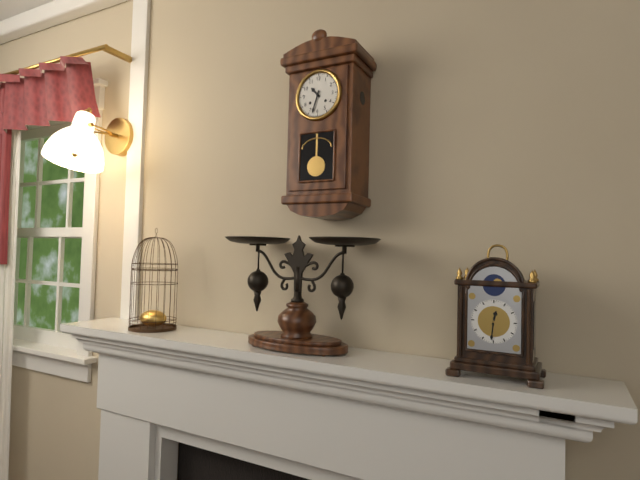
10.33
